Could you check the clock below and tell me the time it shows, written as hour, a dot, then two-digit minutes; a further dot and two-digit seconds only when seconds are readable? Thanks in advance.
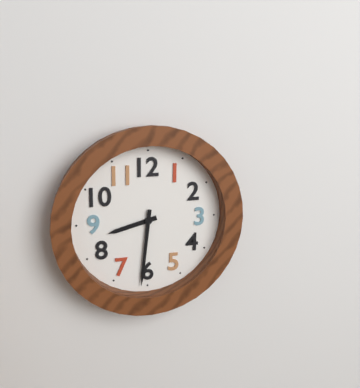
8.31
